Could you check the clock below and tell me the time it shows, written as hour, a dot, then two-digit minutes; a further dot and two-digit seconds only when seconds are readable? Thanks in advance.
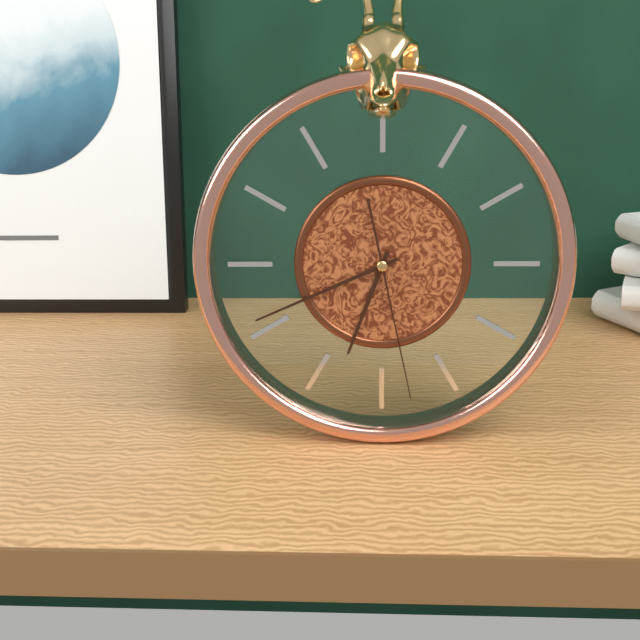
6.41.28
